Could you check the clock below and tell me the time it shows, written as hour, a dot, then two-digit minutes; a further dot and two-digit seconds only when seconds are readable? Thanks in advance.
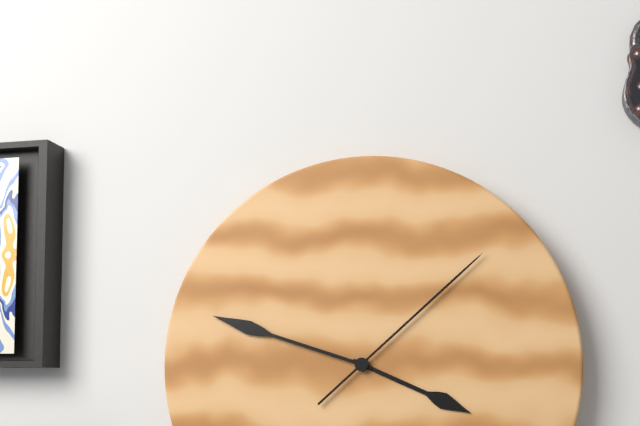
3.48.08
